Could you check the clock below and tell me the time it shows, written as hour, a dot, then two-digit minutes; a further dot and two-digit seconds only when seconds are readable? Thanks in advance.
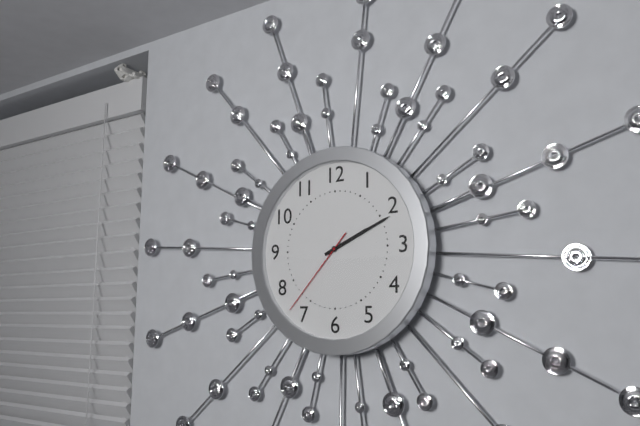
2.11.37
